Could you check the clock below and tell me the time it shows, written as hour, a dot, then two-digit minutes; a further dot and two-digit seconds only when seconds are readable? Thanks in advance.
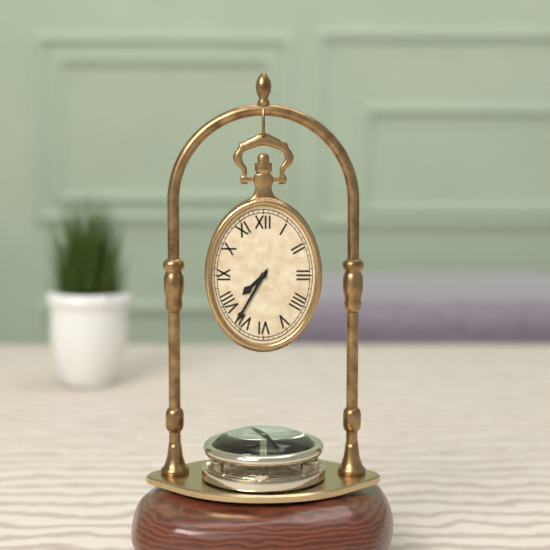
7.35
